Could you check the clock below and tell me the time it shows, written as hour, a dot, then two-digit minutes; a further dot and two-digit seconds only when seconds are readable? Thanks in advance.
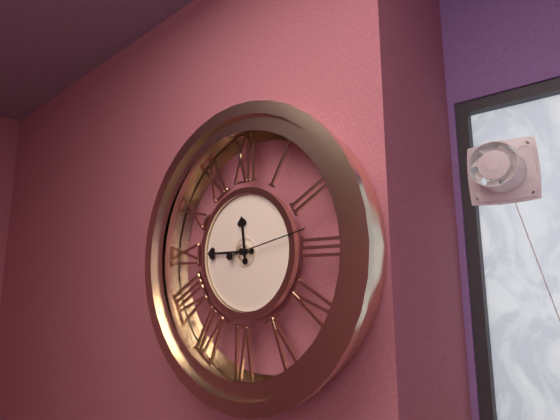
11.45.13
